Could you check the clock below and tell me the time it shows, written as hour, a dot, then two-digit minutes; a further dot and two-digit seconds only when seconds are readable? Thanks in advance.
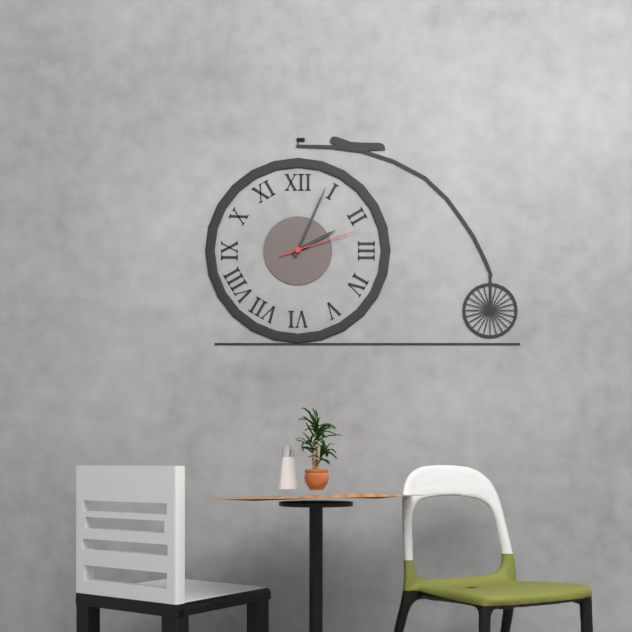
2.04.12
